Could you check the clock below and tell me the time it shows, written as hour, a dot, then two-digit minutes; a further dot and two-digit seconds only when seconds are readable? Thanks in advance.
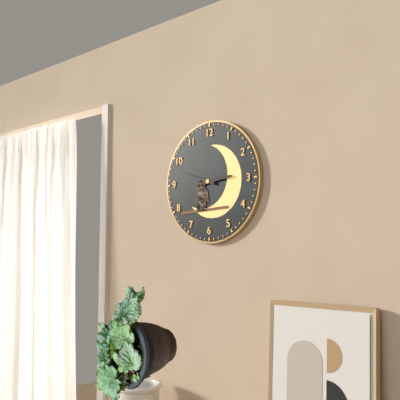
2.48
